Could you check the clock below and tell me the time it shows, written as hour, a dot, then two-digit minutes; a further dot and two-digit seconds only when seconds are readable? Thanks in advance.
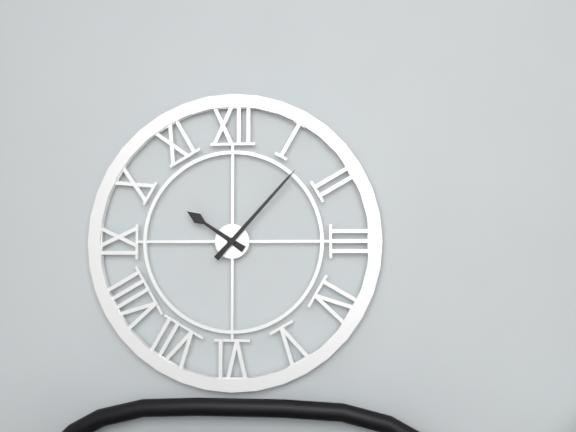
10.07
